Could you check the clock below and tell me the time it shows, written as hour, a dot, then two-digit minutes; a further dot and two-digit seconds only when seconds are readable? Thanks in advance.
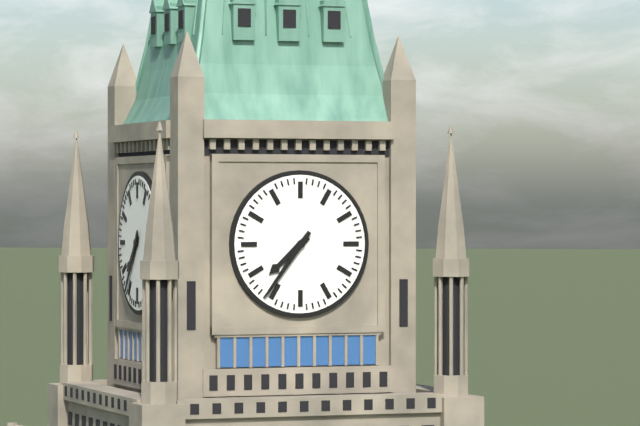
7.36
